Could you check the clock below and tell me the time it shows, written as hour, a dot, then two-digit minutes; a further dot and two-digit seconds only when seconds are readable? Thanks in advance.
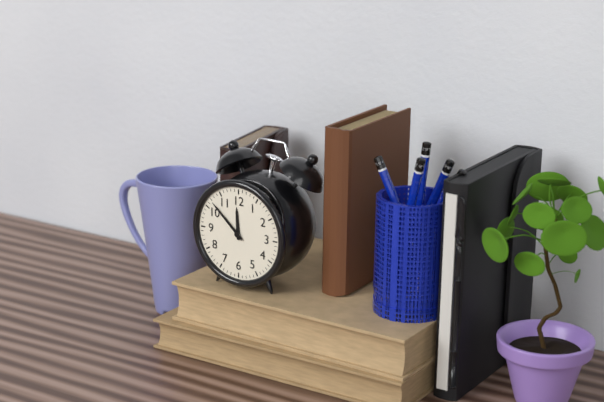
11.52
